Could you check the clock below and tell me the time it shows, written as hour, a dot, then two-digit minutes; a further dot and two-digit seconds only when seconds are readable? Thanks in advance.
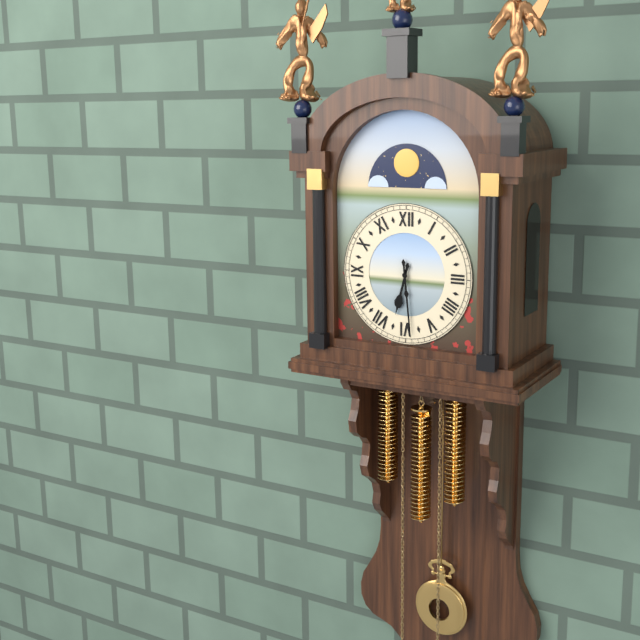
6.29
